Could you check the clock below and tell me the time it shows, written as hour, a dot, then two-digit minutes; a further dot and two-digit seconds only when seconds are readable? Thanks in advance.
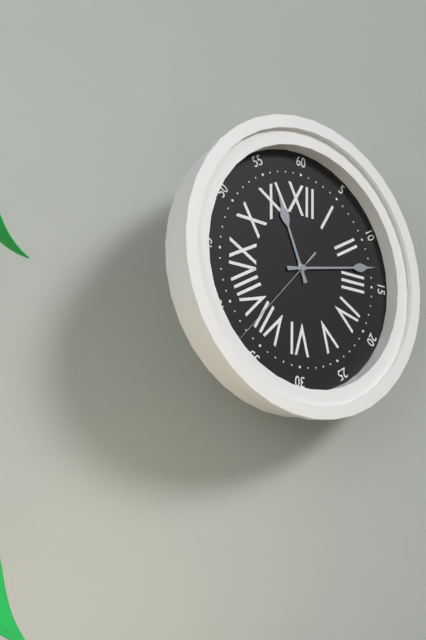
11.13.37
